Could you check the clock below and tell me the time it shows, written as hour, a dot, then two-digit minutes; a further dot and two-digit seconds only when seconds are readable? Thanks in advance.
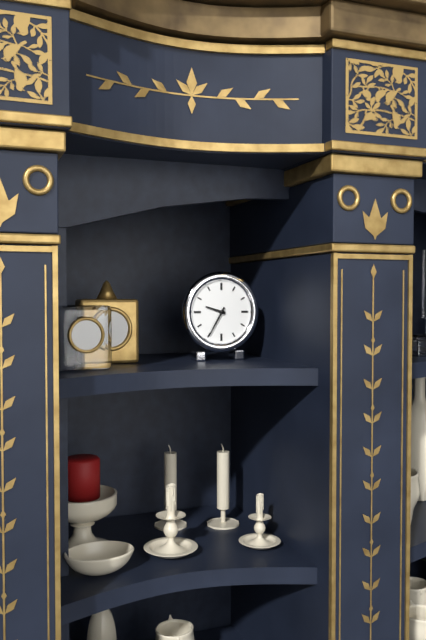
9.35
